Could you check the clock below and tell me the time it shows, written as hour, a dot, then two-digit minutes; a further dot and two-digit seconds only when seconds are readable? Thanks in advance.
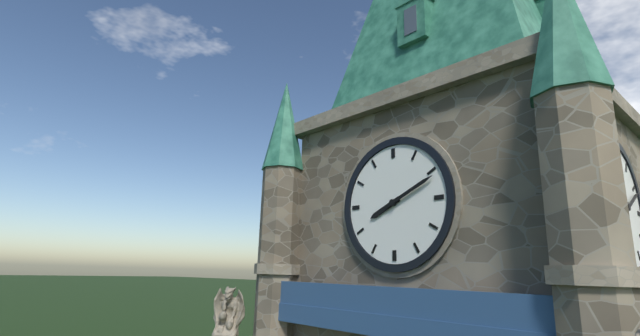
8.11
